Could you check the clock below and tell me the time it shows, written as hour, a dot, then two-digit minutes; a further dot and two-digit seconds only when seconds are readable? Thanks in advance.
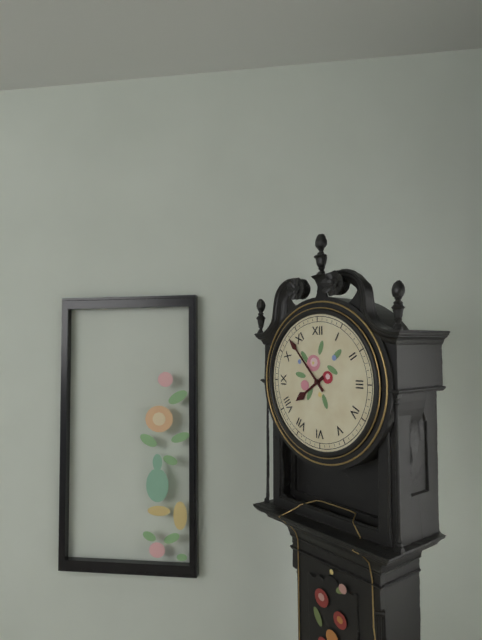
7.53
